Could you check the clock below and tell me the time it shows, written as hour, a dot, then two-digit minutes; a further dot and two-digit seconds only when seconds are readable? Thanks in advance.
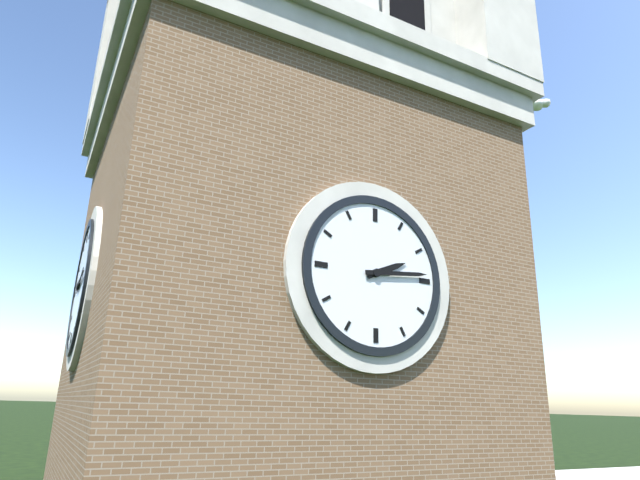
2.14
